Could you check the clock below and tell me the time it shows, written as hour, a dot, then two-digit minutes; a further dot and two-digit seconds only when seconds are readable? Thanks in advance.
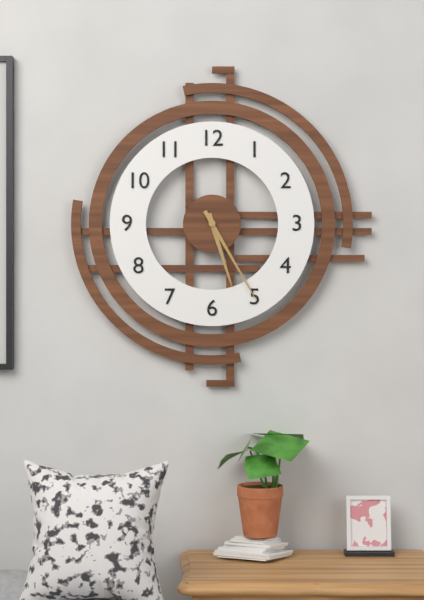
5.25
